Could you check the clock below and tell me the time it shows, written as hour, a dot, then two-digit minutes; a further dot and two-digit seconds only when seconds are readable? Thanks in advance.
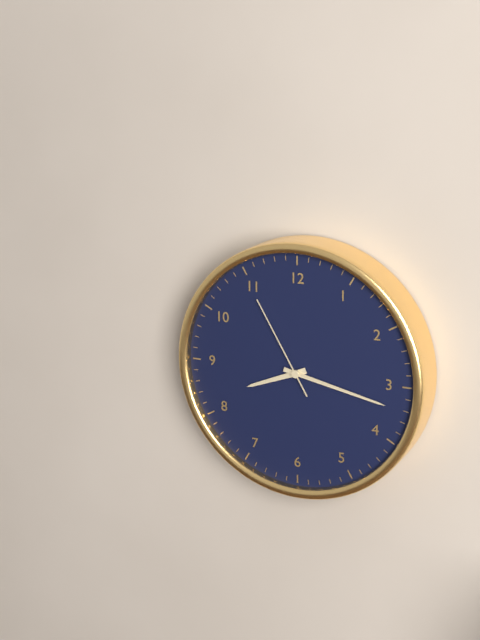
8.17.55
